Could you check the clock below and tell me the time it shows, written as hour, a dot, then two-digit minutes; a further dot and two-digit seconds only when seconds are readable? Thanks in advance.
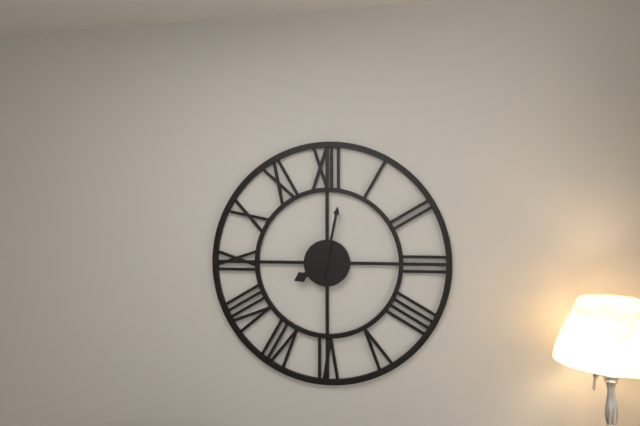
8.02
